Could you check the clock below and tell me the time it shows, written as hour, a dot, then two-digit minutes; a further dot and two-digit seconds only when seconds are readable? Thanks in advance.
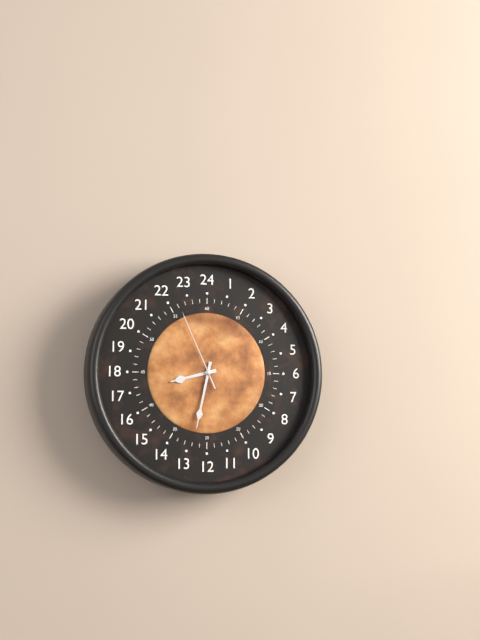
8.32.56
